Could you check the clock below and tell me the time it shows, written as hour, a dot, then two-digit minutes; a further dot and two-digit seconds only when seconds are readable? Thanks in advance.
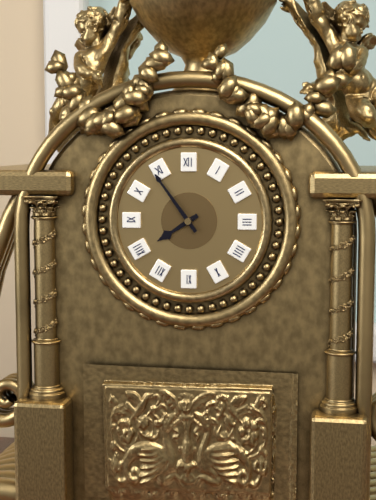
7.54
